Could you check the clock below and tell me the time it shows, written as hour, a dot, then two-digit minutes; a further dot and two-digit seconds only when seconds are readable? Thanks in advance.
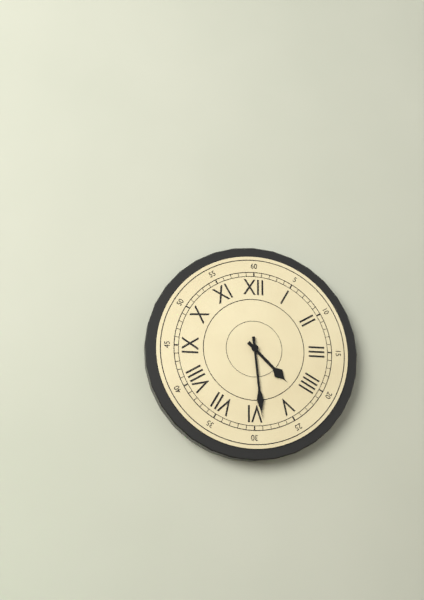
4.29
